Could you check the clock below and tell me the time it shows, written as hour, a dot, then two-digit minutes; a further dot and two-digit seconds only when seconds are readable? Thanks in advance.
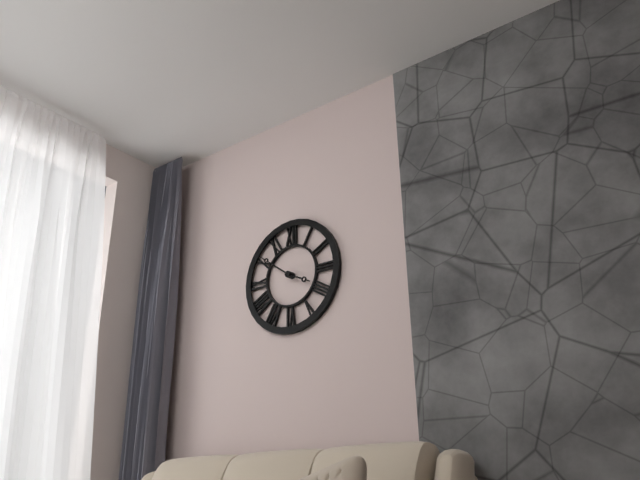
3.51
